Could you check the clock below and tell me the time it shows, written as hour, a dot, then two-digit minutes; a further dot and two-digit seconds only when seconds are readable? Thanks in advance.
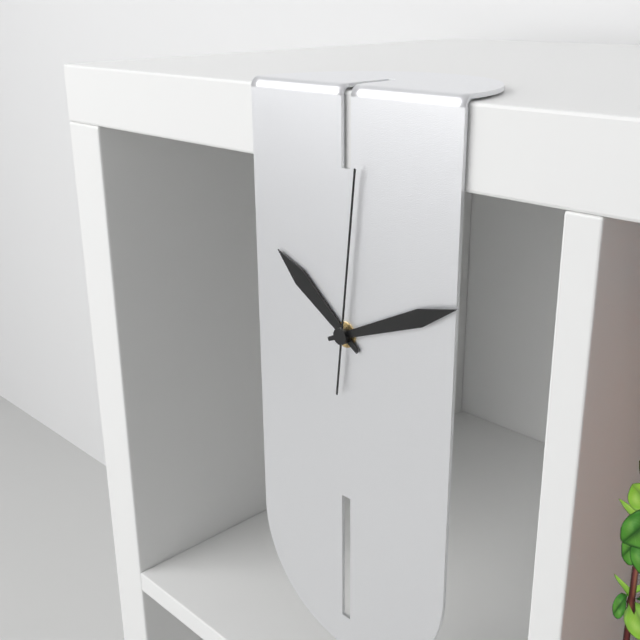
10.11.01
